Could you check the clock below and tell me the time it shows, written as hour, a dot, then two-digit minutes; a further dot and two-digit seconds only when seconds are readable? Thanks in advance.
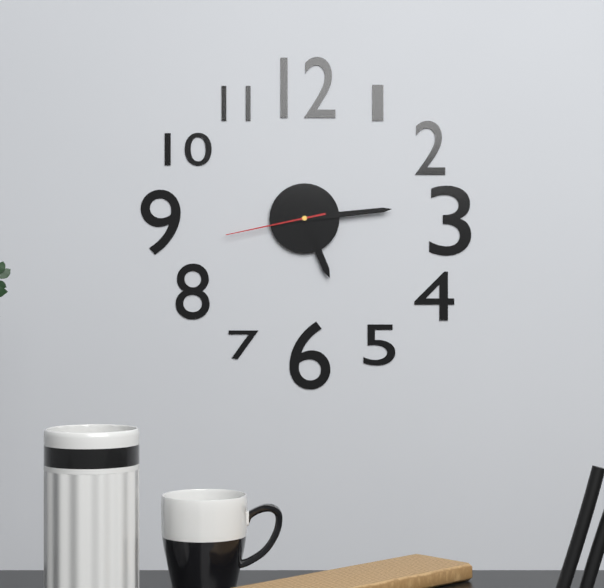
5.14.43
